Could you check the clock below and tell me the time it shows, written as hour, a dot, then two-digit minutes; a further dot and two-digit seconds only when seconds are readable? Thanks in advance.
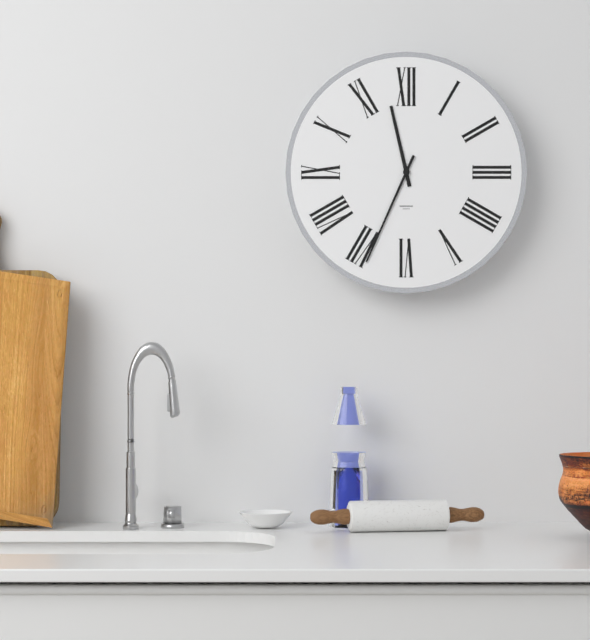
11.34
